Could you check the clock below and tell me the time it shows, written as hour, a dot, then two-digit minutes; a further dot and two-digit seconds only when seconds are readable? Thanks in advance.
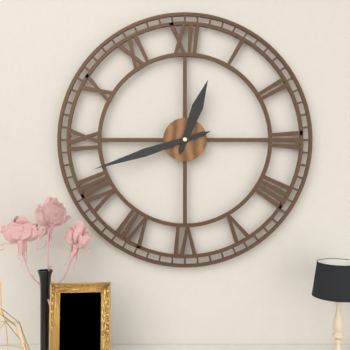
12.42
